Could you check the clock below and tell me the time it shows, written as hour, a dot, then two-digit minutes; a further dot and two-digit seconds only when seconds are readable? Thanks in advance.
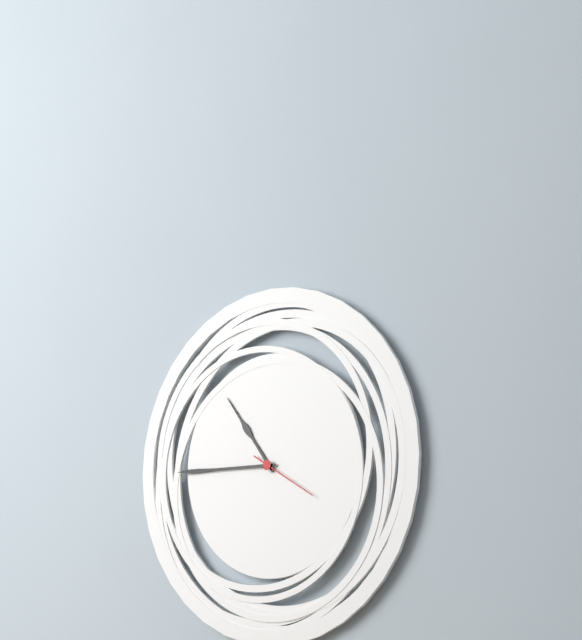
10.45.20
